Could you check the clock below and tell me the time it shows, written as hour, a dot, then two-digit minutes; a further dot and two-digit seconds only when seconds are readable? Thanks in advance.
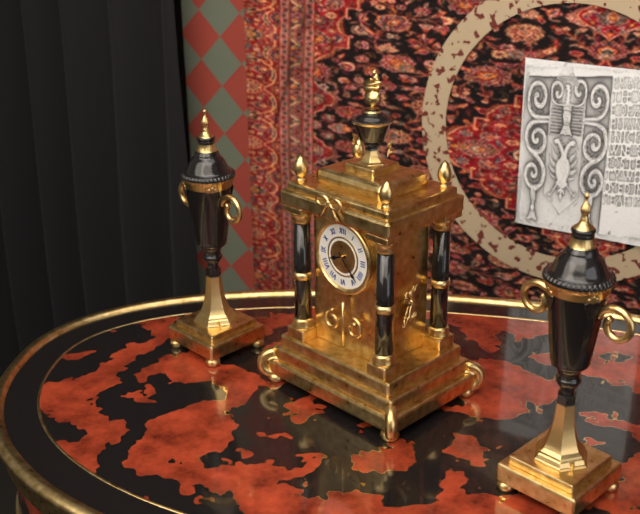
8.23
